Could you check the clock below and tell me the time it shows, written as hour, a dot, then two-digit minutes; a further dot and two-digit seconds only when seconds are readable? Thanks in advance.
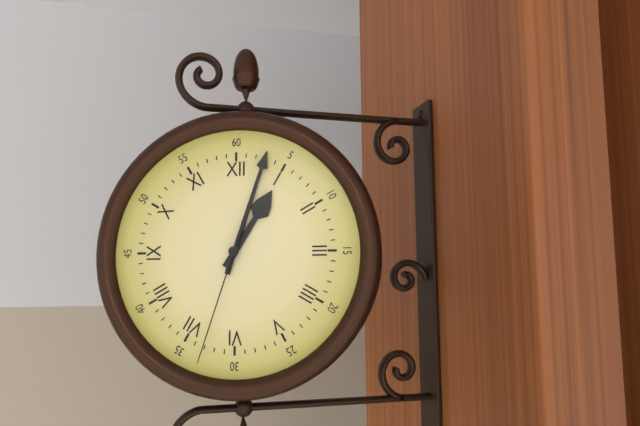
1.03.33
